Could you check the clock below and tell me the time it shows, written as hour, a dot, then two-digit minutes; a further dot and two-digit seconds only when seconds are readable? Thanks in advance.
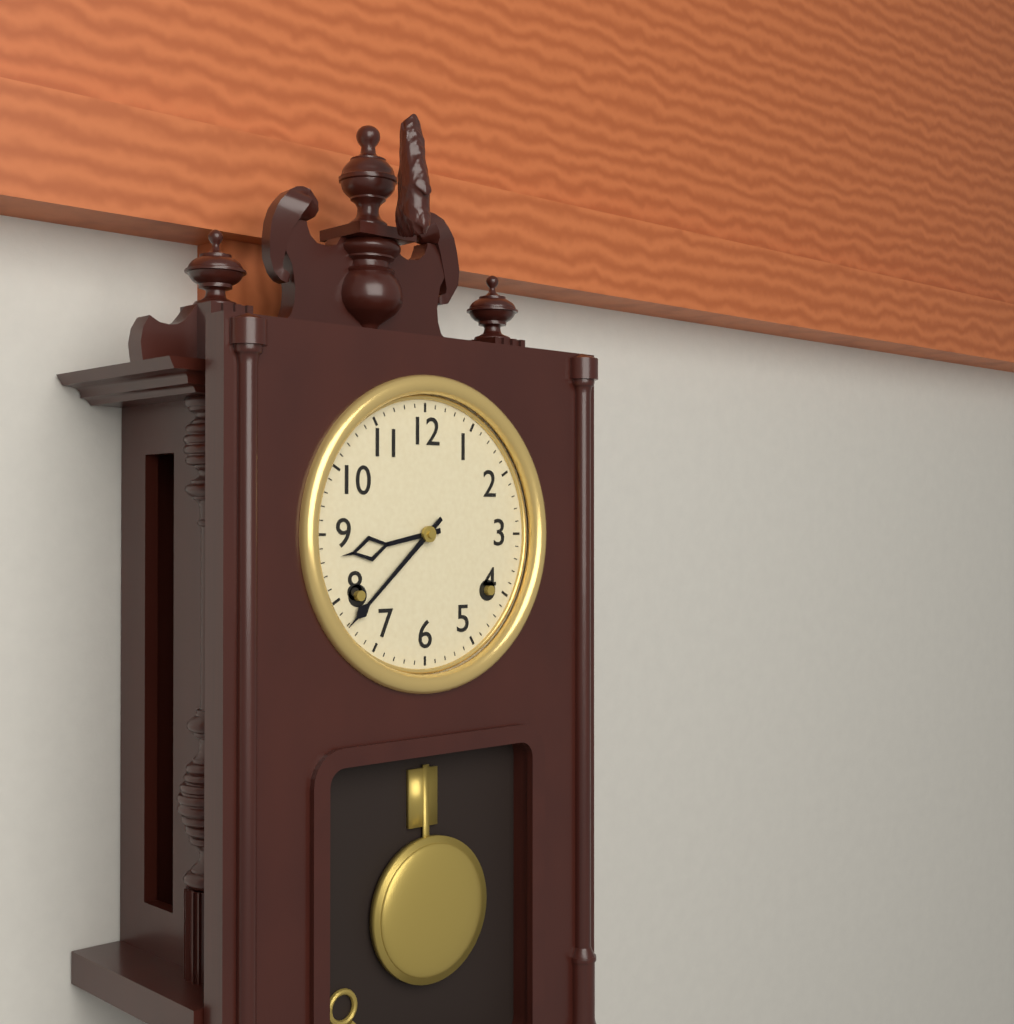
8.38
